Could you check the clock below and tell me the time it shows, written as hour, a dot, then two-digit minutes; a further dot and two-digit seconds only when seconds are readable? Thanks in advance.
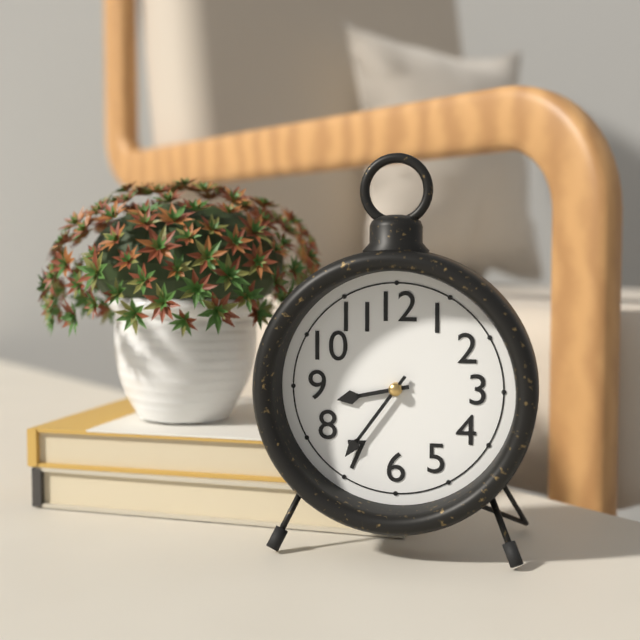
8.36
